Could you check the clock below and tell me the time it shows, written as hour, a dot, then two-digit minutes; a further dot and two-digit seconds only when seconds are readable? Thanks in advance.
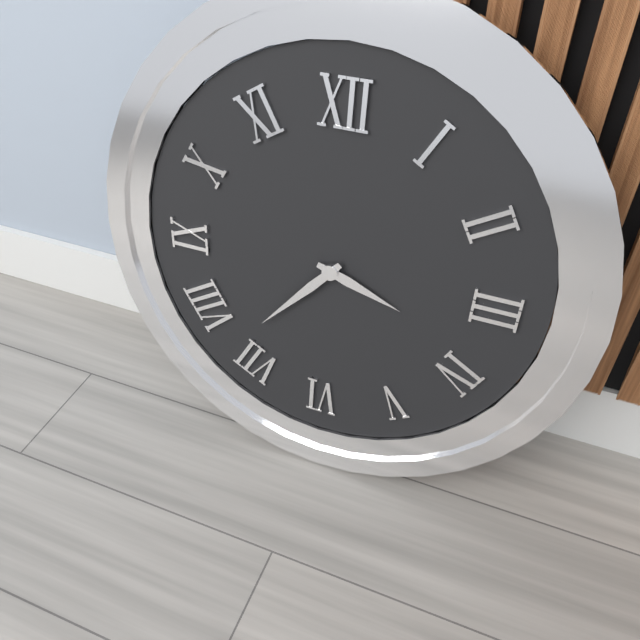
3.37
